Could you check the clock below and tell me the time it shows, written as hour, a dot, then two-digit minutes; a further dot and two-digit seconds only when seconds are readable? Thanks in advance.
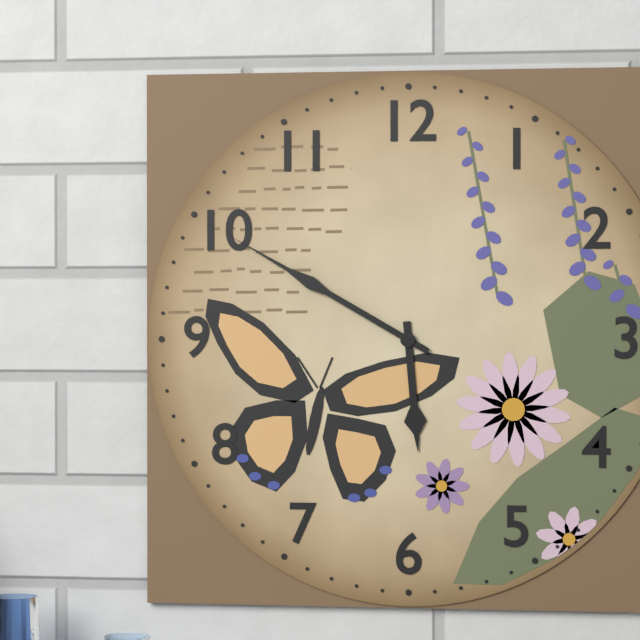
5.50
